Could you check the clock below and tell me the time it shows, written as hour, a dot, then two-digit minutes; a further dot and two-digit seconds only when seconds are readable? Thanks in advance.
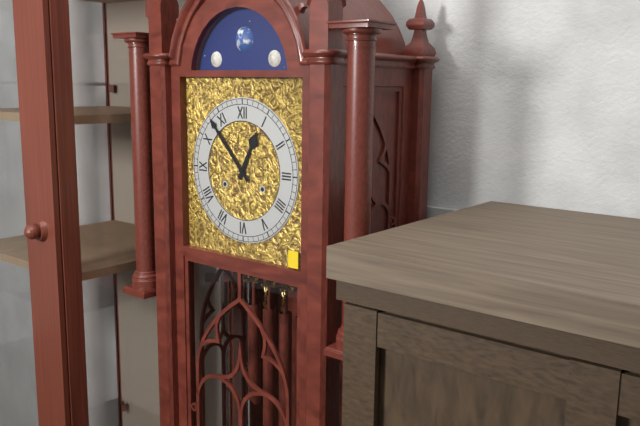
12.53
